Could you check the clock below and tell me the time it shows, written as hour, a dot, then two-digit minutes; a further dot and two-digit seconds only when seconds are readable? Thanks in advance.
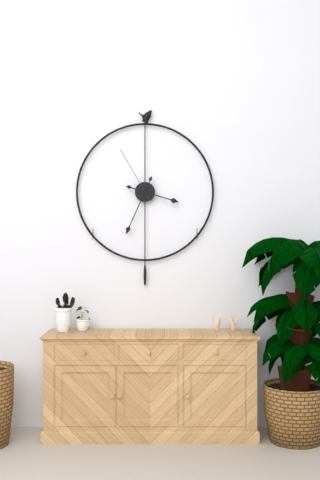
3.34.55
